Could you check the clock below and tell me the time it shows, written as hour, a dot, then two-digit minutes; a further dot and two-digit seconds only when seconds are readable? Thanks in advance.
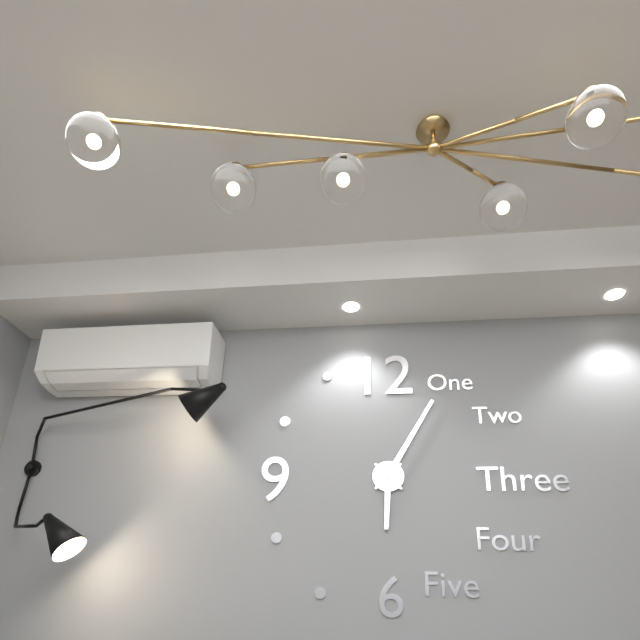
6.05
